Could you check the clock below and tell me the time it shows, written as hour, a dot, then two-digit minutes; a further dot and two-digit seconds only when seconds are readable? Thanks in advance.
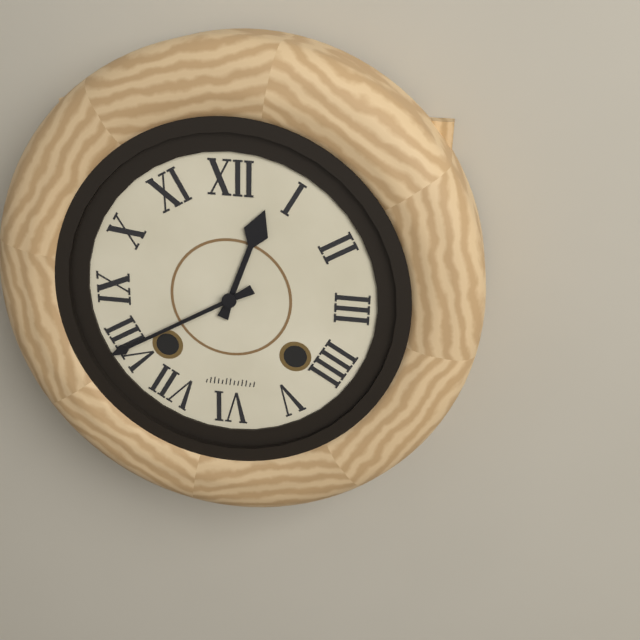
12.40
